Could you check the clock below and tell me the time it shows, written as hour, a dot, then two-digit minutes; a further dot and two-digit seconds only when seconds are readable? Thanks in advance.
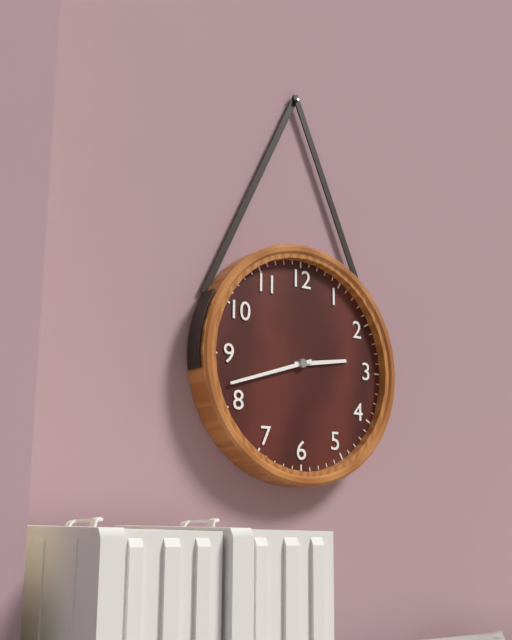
2.42
